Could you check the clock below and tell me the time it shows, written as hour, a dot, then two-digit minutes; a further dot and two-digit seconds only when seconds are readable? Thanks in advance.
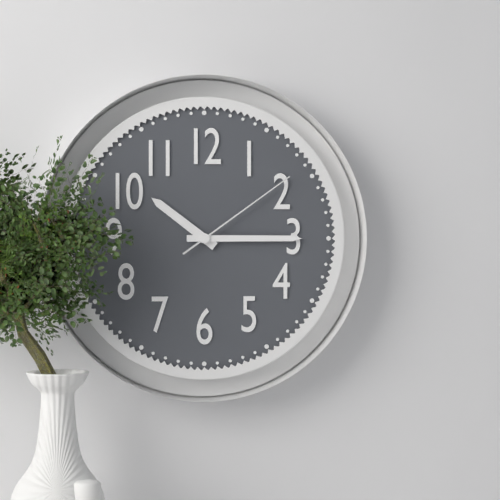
10.15.09
